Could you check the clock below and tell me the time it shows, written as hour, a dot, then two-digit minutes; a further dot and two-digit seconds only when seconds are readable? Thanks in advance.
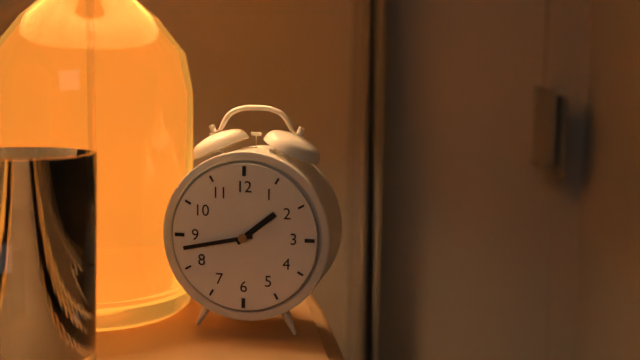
1.43
